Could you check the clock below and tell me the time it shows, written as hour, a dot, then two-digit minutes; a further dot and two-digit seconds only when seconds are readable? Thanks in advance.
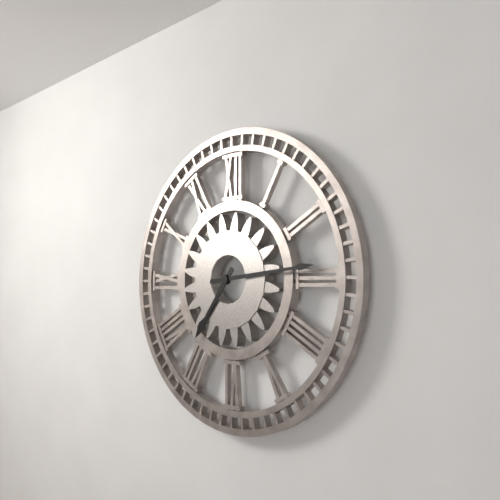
7.14
